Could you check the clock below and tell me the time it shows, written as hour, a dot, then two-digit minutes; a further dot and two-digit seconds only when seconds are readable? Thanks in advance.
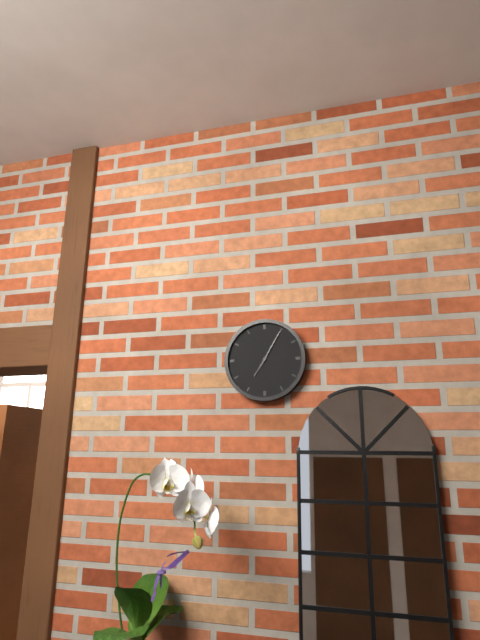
7.05
